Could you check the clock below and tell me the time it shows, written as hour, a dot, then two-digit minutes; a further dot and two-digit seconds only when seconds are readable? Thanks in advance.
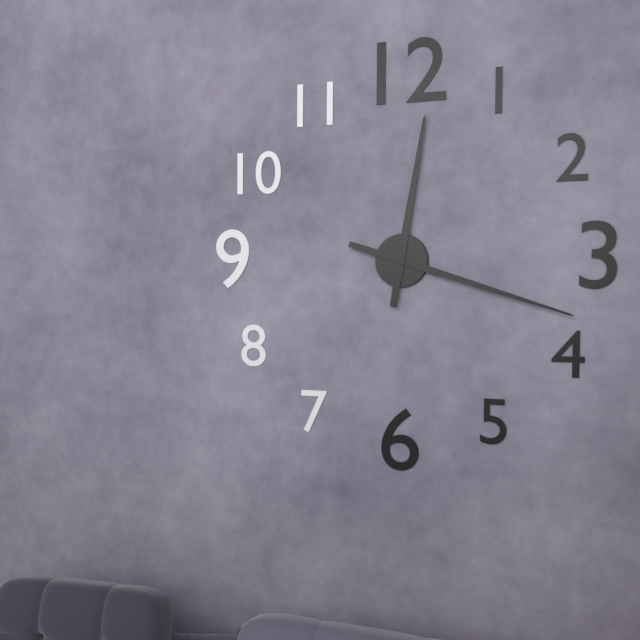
12.18
